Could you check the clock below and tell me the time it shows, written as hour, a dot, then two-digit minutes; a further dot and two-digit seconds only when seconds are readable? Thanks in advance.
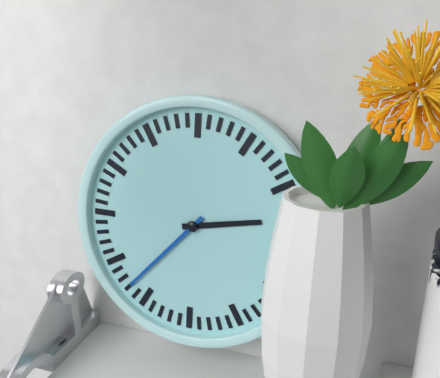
2.37
